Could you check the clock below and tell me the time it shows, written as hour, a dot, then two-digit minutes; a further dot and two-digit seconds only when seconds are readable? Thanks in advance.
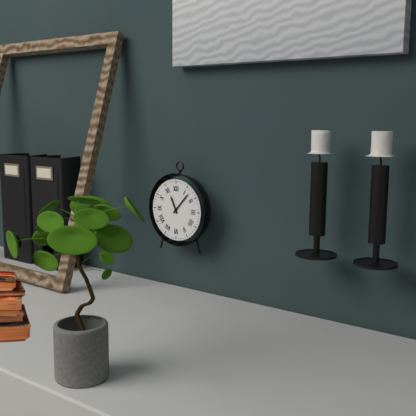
11.07
